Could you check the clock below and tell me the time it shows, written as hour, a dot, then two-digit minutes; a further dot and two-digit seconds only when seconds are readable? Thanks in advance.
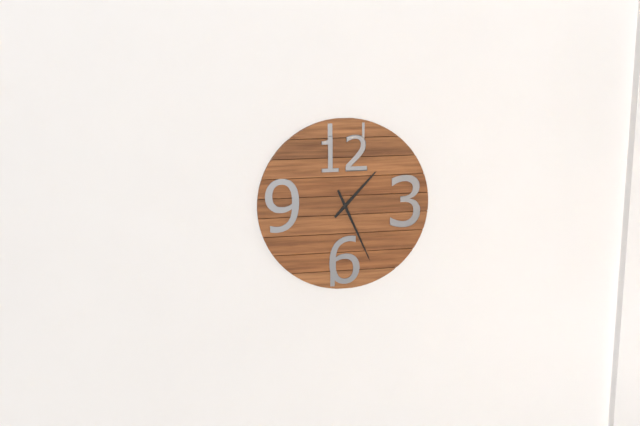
1.26
